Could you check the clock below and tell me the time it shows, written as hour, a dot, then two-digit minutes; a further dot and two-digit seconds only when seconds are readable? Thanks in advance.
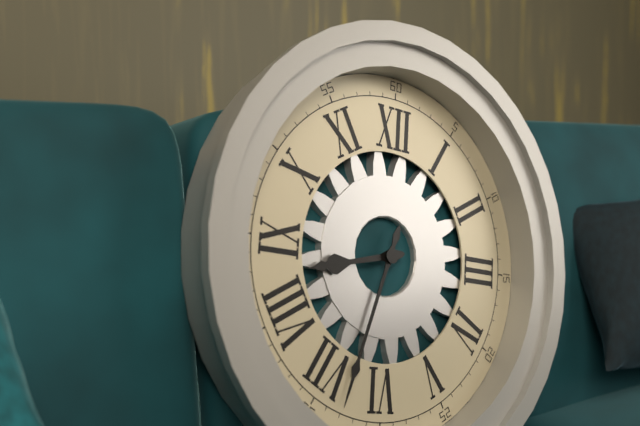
8.33
